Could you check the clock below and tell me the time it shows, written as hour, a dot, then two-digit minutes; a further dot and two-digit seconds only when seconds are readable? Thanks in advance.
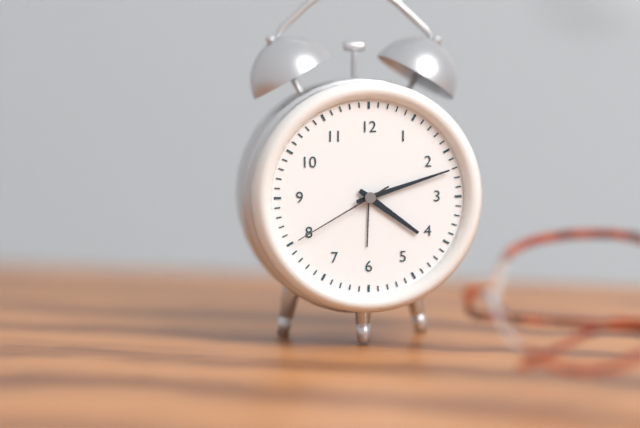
4.12.40
